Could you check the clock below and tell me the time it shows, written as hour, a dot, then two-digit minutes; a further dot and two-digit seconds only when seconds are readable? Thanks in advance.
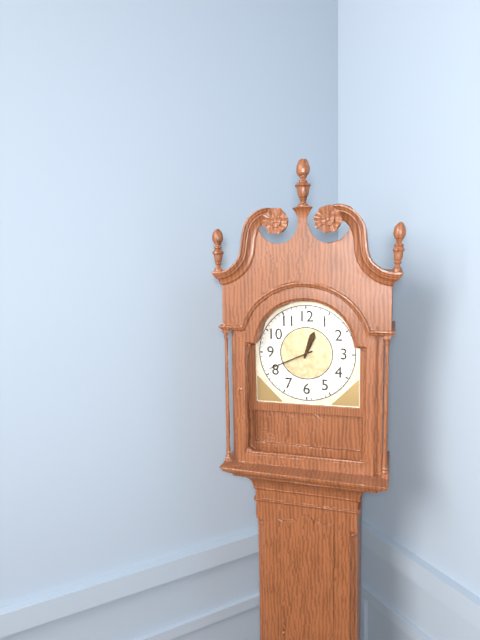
12.41
